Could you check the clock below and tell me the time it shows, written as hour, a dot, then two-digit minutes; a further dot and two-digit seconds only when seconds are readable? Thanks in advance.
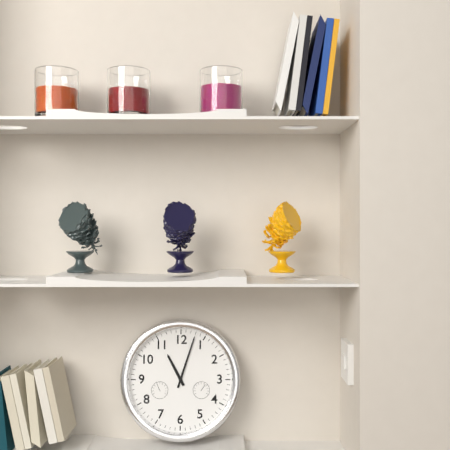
11.03
